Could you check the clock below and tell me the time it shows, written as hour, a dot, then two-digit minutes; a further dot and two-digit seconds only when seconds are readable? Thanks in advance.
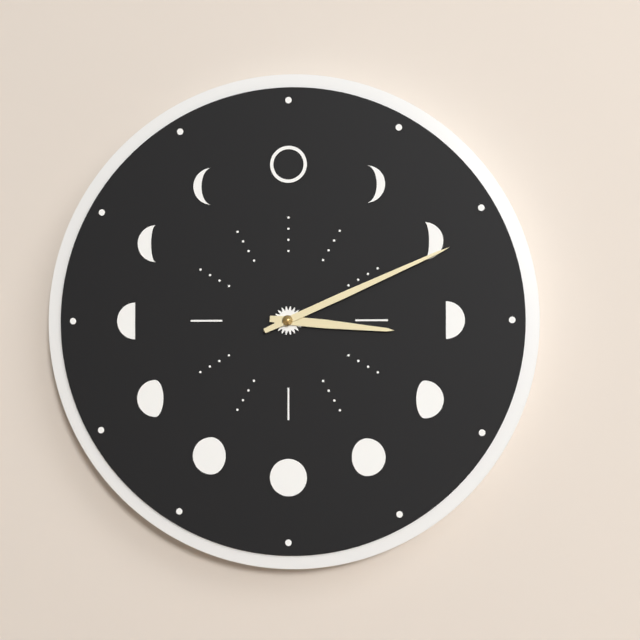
3.11
